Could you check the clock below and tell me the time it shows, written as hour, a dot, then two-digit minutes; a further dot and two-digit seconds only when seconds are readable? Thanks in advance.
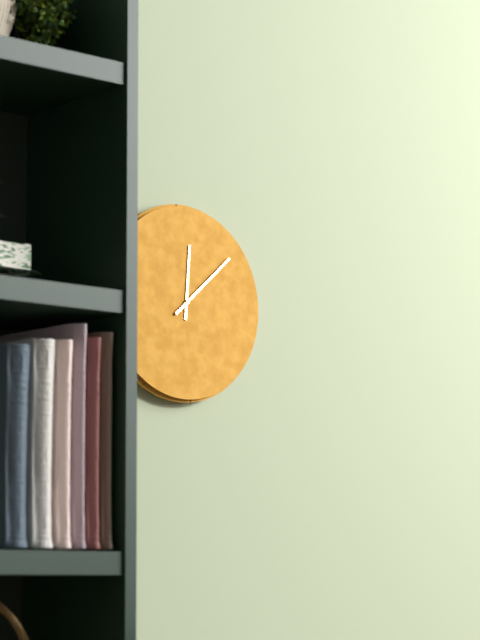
12.08
